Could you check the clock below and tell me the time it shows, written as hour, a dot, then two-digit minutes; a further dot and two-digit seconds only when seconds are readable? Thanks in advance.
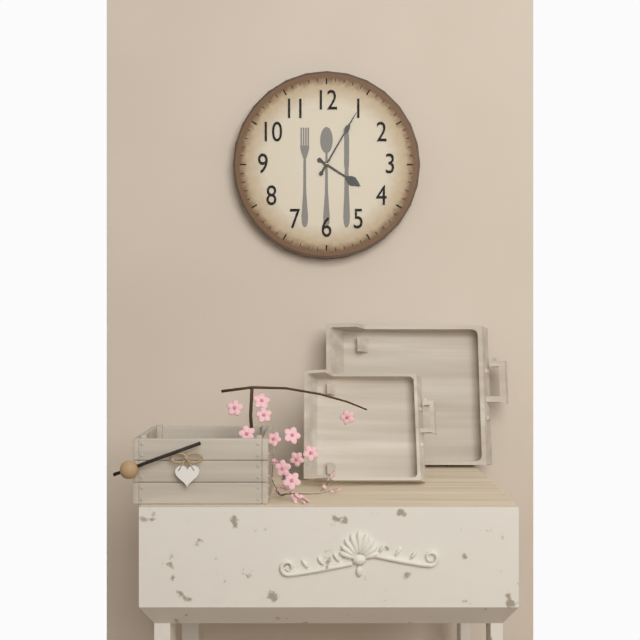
4.05
